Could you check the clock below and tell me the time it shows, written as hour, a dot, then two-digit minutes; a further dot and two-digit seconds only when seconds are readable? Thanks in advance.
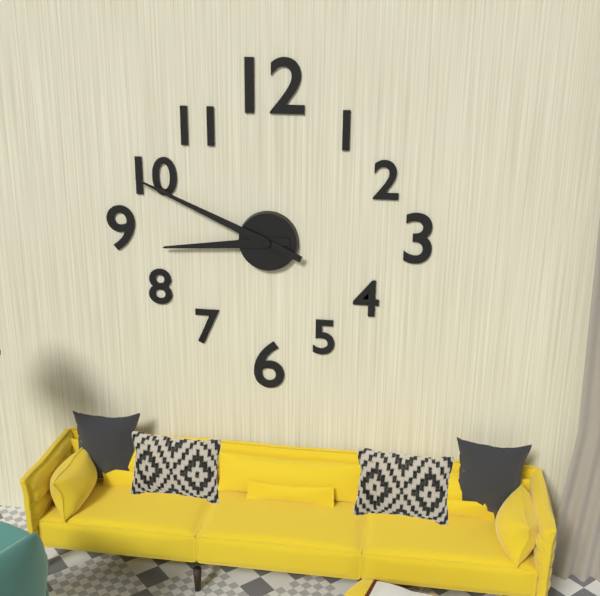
8.49
